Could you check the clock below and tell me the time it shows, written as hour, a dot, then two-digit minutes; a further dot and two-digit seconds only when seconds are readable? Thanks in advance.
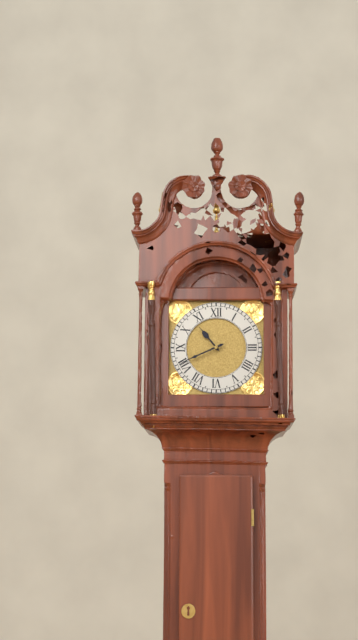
10.41
